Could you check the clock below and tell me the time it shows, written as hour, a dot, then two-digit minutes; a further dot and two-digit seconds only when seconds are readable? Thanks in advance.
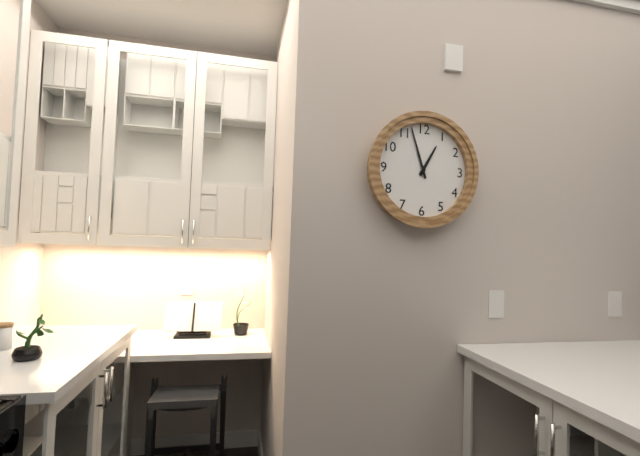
12.57
